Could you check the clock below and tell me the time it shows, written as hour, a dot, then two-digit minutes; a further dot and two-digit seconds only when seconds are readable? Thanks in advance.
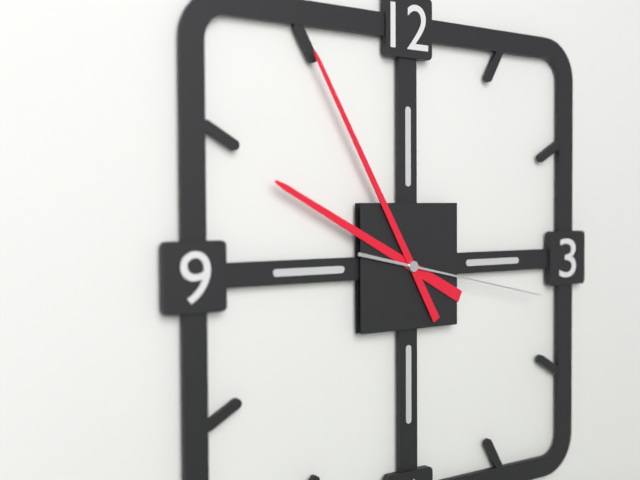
9.55.17
